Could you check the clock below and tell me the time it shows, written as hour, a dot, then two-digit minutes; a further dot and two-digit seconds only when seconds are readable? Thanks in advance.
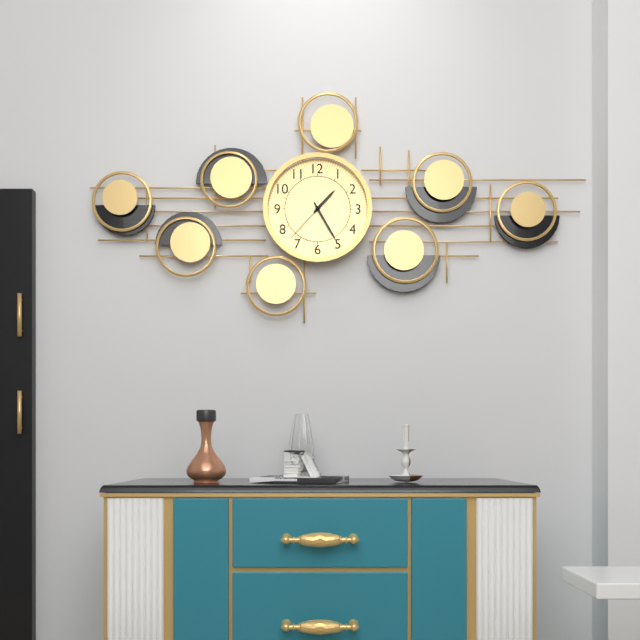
1.25
